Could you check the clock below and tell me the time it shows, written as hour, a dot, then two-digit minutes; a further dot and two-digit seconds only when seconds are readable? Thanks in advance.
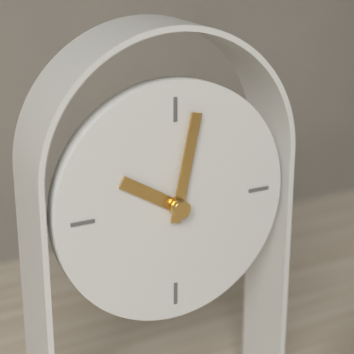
10.02
